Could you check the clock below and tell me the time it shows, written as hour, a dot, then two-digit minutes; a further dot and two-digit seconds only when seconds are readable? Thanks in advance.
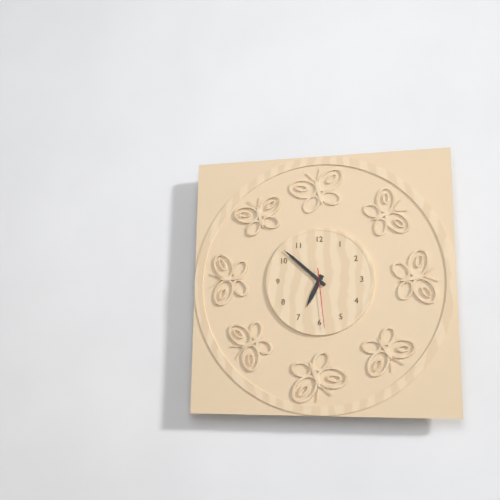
6.52.29
